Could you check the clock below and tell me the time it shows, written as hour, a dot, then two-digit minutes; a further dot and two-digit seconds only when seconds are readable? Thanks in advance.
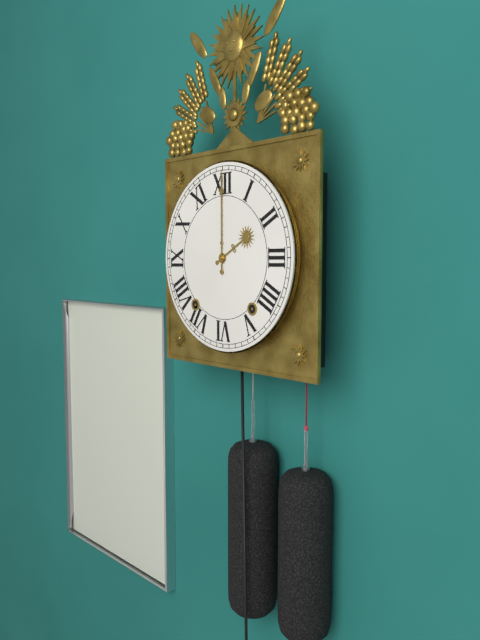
2.00
